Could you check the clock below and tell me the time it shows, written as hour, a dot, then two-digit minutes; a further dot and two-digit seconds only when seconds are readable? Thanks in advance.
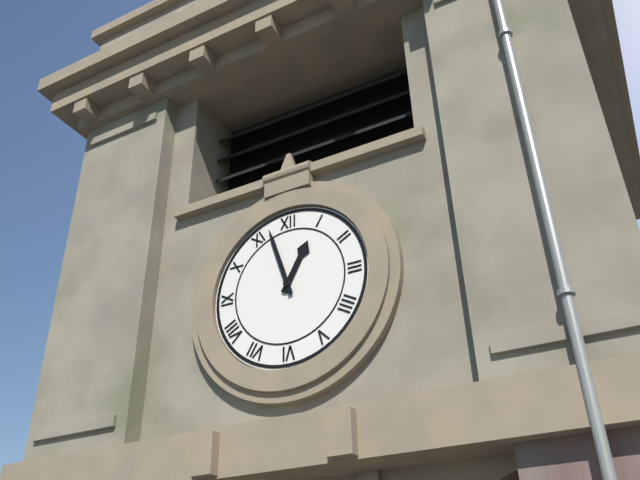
12.57
